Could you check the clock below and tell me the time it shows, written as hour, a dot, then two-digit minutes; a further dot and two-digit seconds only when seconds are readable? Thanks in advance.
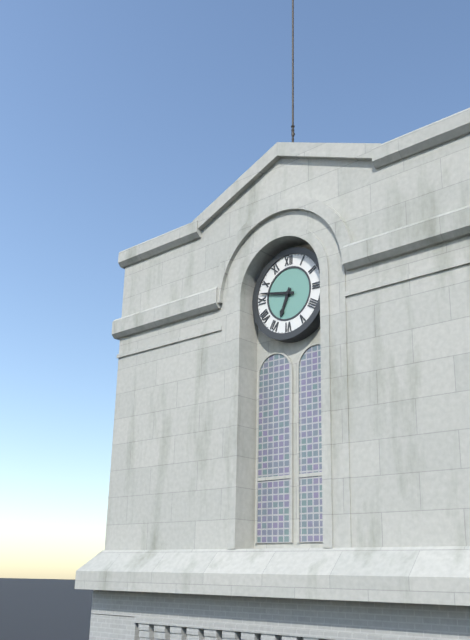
6.47
